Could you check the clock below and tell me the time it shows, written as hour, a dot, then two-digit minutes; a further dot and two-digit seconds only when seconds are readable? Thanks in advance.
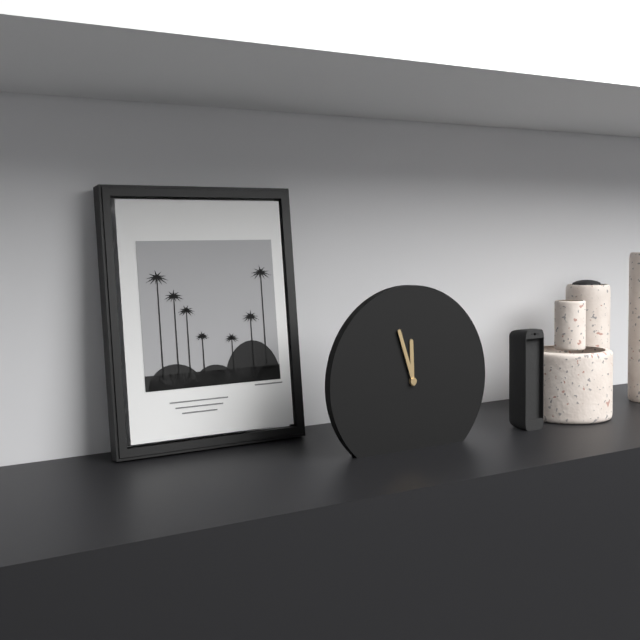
11.57
